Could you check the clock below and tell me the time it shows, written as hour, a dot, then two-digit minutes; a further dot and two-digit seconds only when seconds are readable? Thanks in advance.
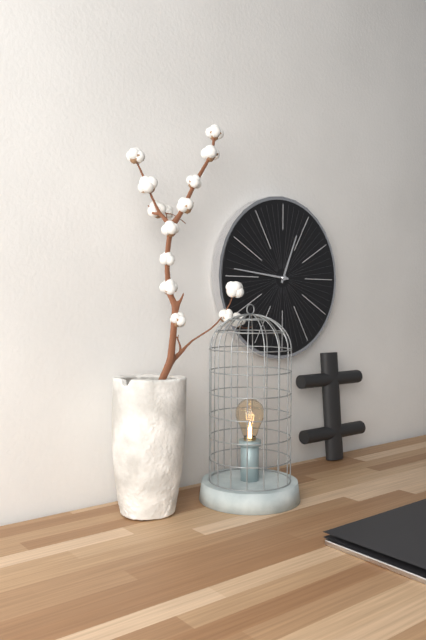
12.46
